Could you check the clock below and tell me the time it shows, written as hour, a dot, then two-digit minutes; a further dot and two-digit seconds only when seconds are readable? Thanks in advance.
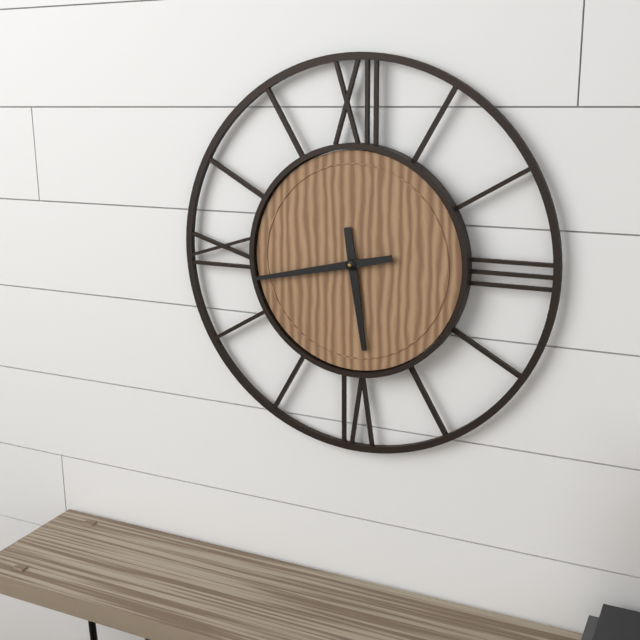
5.43
